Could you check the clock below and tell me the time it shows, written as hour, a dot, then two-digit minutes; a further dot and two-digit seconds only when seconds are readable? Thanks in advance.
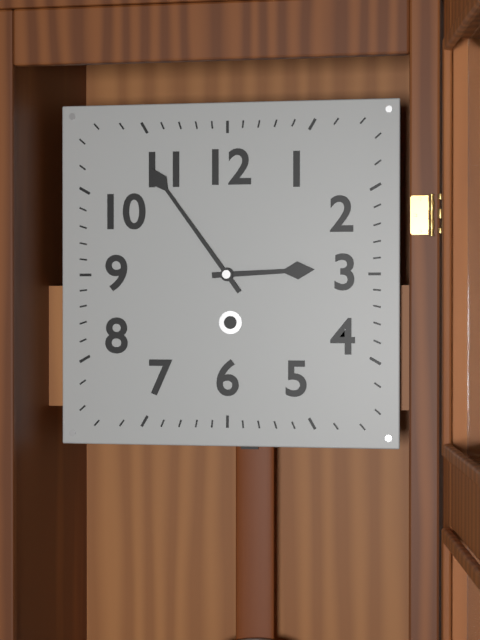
2.54
